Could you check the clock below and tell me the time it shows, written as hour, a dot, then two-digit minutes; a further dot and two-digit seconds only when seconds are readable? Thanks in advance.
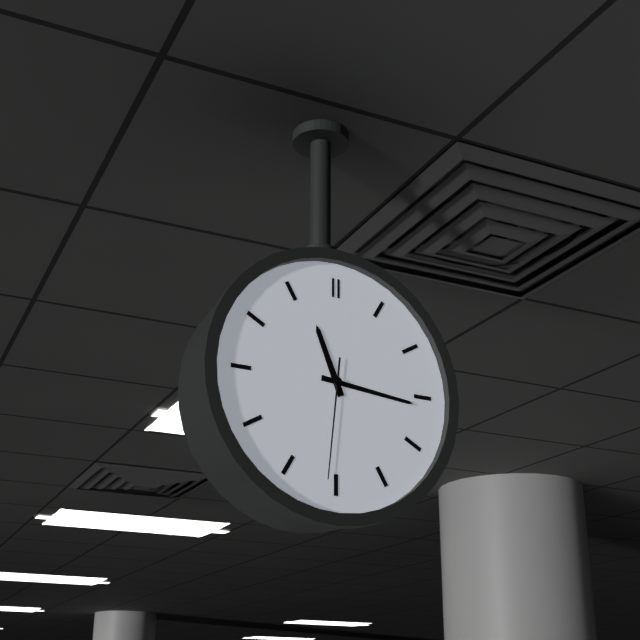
11.16.31
